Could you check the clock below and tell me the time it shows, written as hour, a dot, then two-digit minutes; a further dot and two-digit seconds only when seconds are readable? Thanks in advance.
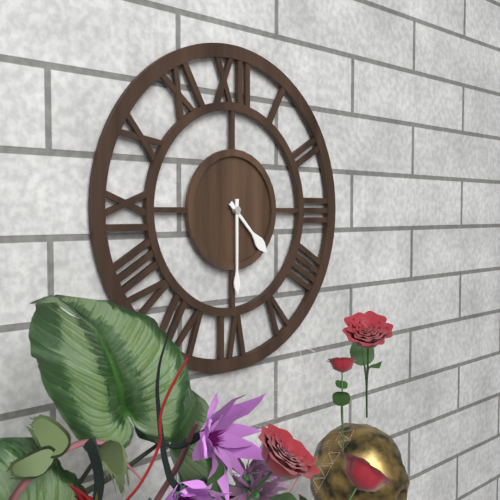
4.30
